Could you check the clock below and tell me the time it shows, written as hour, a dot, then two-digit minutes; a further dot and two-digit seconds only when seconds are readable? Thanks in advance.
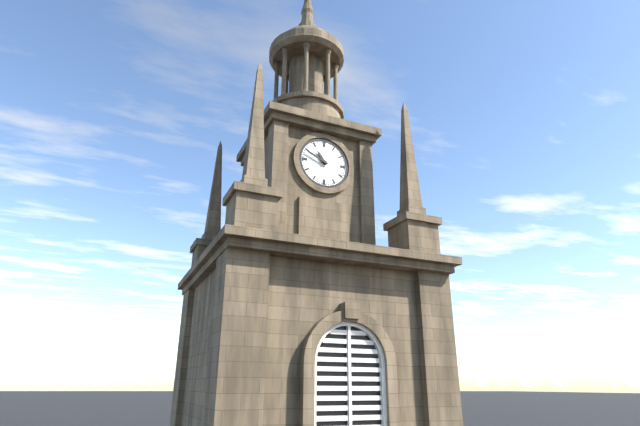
10.49
